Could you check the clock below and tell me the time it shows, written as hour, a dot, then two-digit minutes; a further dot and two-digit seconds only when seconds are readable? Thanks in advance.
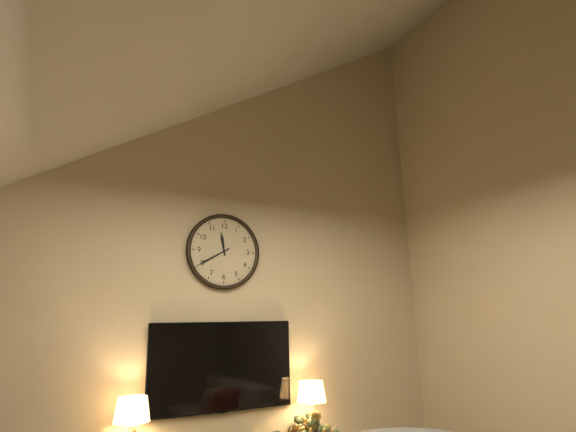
11.40
